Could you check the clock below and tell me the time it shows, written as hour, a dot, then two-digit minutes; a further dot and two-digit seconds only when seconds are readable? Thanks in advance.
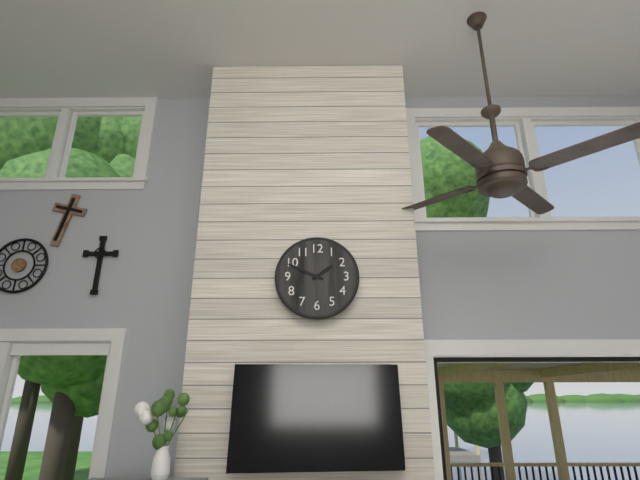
1.49
